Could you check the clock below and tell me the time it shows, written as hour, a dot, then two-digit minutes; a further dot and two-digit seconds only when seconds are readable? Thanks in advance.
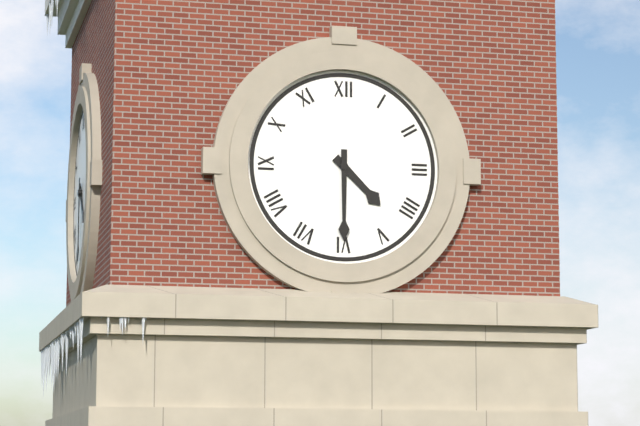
4.30
